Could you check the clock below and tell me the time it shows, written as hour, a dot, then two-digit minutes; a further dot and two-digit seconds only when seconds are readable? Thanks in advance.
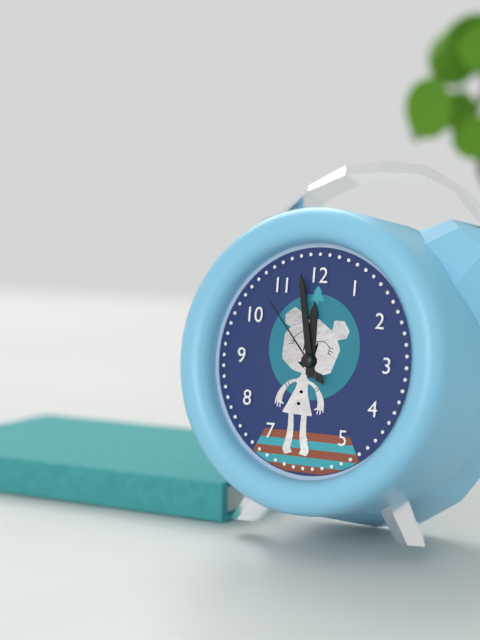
11.58.53
